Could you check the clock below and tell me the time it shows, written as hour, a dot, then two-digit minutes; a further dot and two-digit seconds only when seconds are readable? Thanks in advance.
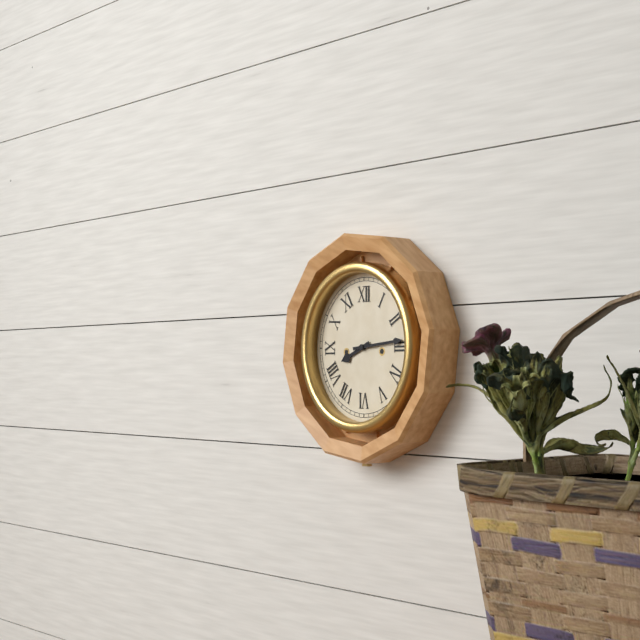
8.14
